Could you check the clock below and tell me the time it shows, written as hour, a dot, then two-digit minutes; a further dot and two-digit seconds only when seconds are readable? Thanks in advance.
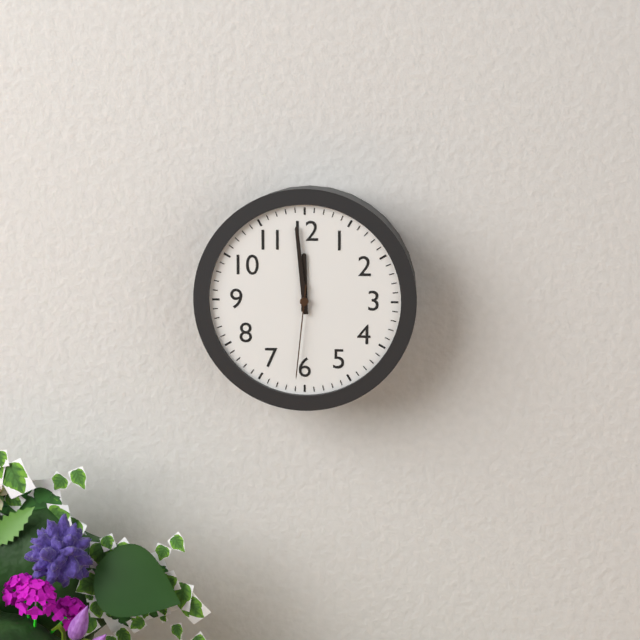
11.59.31
